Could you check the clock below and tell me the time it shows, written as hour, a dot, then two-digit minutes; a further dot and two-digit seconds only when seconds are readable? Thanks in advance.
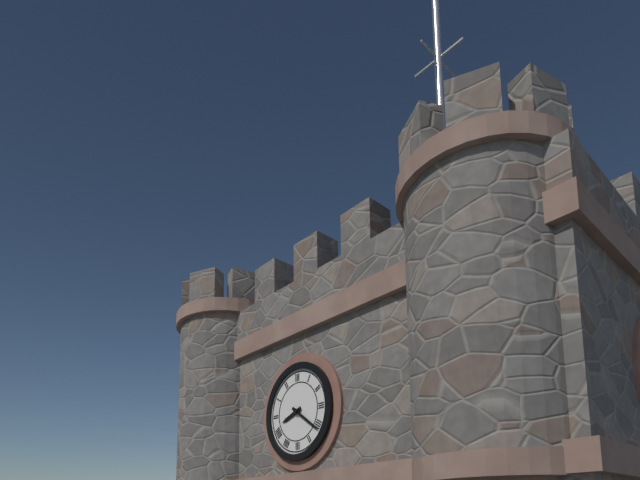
8.21
